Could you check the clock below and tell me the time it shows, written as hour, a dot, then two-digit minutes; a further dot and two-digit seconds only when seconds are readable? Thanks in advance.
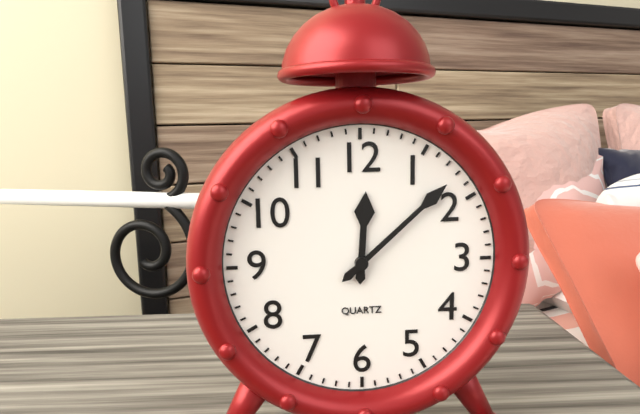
12.08
